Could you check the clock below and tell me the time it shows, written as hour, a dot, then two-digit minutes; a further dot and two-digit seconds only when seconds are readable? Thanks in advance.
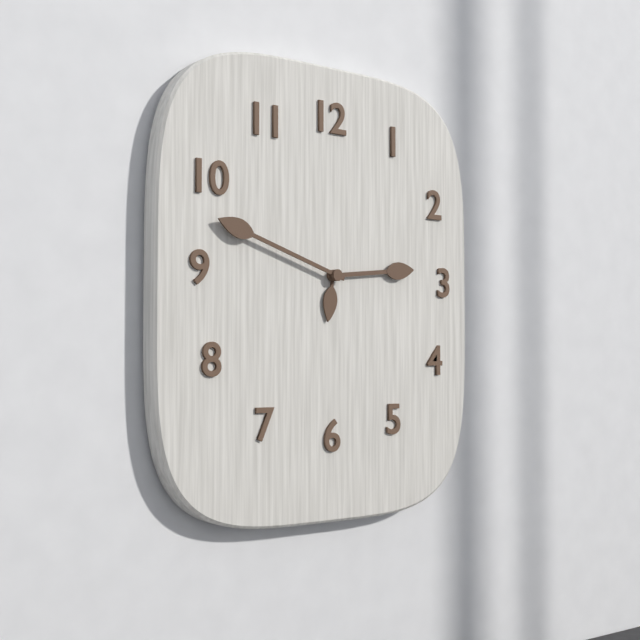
2.48
